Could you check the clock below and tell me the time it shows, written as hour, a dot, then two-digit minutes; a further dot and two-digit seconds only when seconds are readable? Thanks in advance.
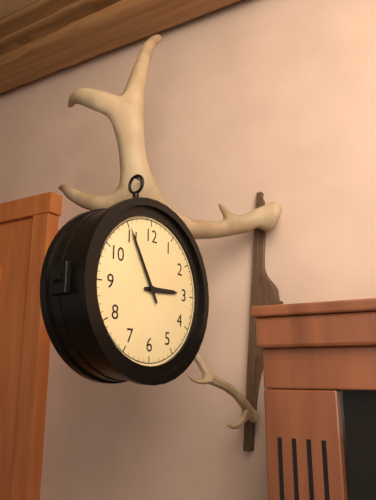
2.55
